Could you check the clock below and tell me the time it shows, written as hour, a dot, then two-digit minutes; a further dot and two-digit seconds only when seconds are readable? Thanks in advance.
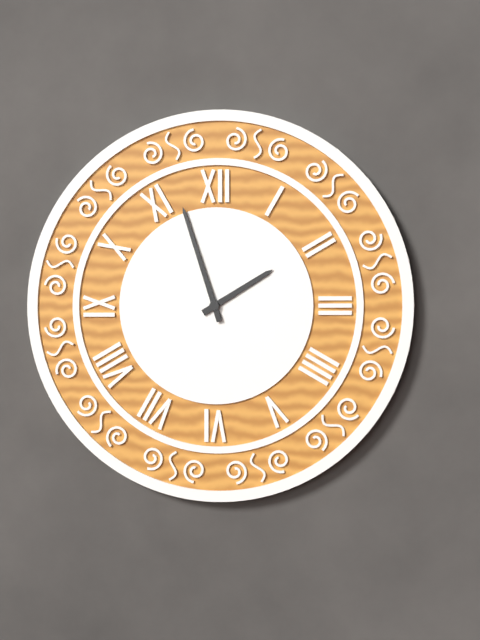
1.57
